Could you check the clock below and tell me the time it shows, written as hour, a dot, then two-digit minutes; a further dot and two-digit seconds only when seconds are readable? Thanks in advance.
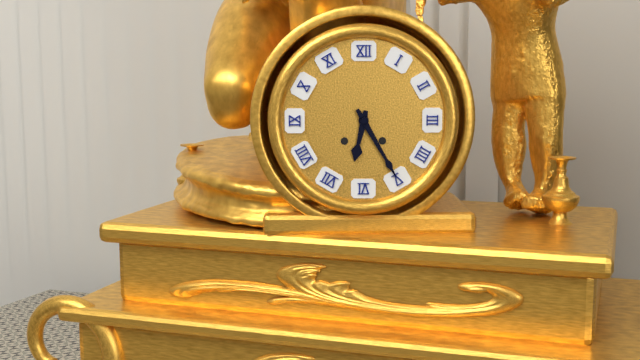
6.25
